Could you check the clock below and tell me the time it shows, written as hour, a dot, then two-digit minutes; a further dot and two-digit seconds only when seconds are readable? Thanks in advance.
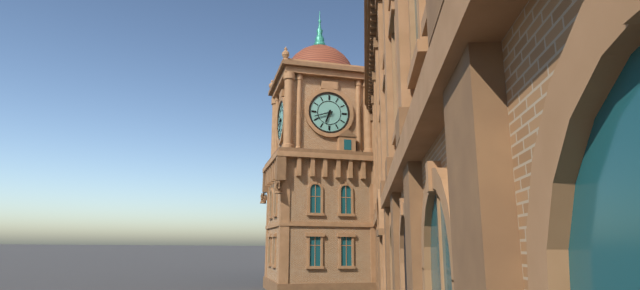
6.42
